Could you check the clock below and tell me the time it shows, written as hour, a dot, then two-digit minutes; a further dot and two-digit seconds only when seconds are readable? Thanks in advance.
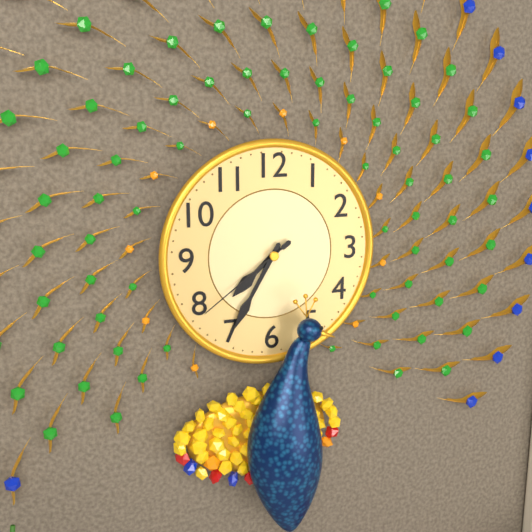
7.35.39
